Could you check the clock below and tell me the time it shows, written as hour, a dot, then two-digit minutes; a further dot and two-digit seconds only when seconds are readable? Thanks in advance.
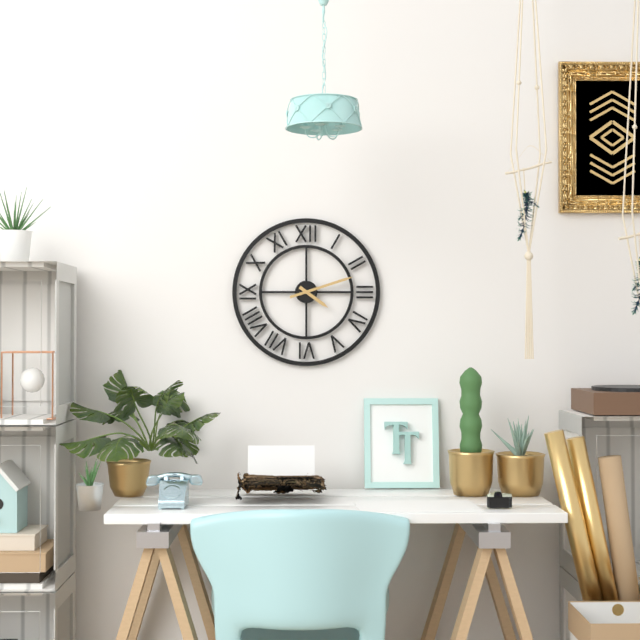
4.12
